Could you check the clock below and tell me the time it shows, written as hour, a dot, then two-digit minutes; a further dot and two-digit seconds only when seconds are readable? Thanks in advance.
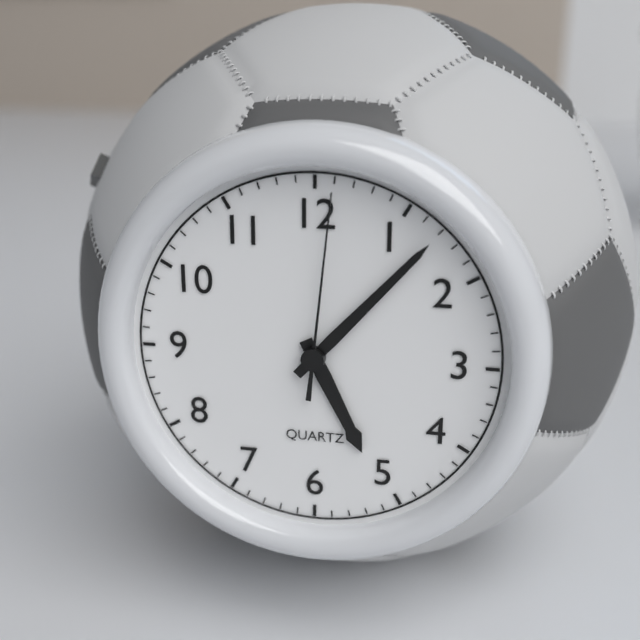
5.07.01
